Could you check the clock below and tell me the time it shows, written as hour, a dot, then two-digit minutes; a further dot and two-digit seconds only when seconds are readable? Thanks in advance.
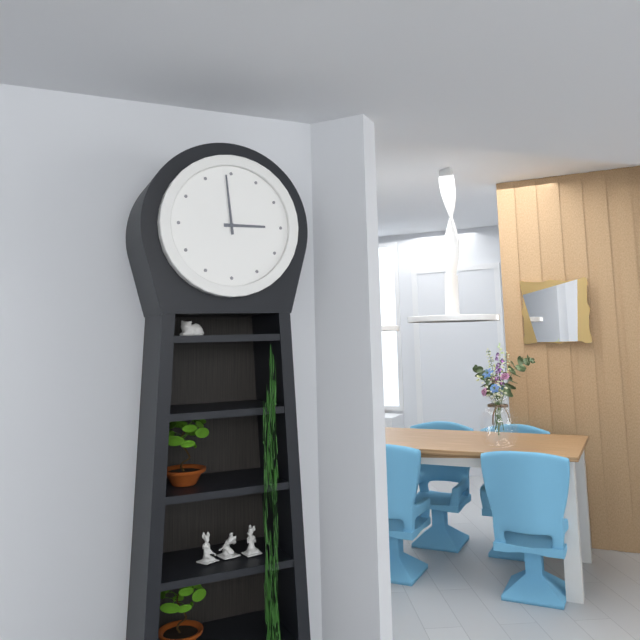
2.59
